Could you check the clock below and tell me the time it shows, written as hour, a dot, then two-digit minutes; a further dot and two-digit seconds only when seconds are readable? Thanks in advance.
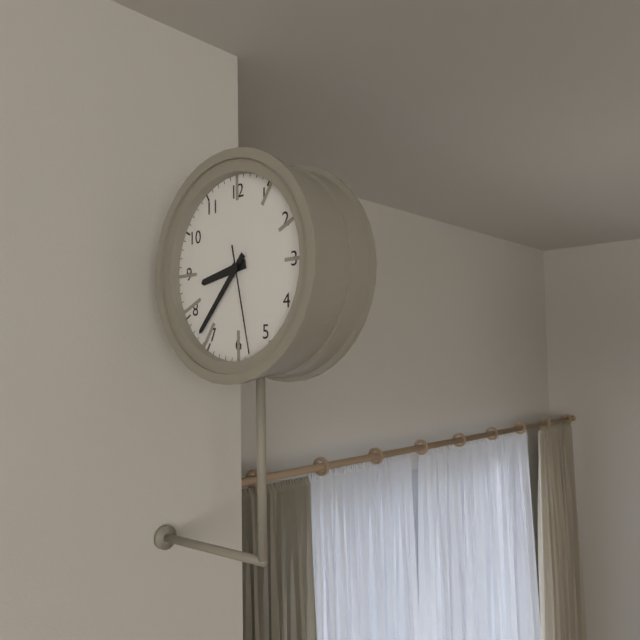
8.37.28
